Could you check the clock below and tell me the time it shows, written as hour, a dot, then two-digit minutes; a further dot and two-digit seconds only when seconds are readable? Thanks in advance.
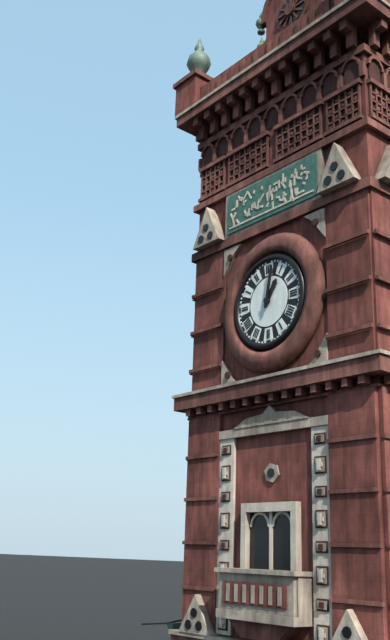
1.02
